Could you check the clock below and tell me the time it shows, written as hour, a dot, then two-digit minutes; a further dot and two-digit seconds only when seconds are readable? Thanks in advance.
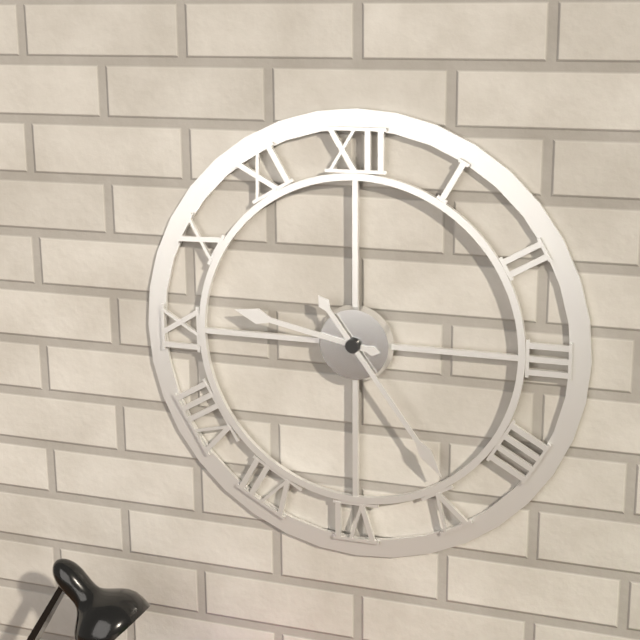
9.24
